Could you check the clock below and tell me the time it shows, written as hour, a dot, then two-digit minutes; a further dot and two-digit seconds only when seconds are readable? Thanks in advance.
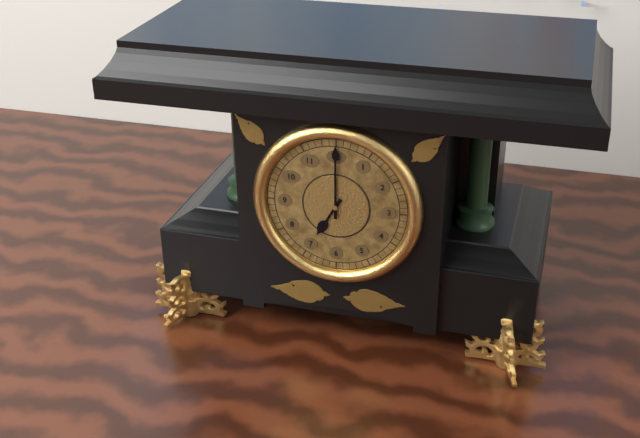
7.00
